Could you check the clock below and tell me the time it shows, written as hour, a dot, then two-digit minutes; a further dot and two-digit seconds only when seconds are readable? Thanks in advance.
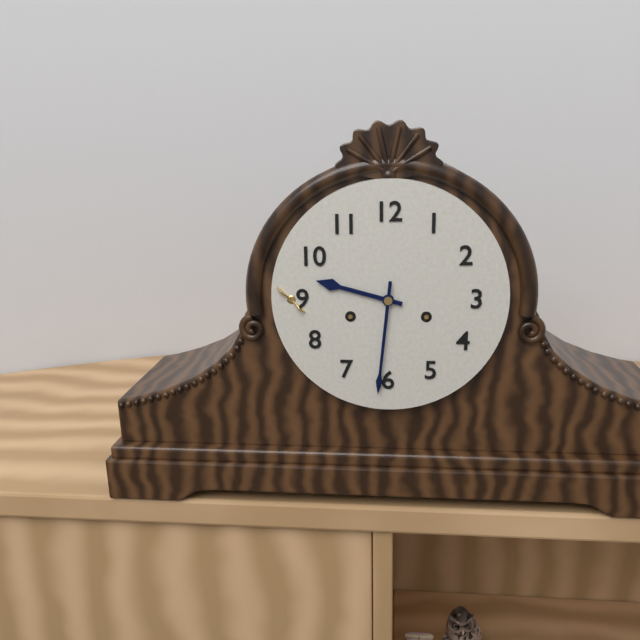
9.31
